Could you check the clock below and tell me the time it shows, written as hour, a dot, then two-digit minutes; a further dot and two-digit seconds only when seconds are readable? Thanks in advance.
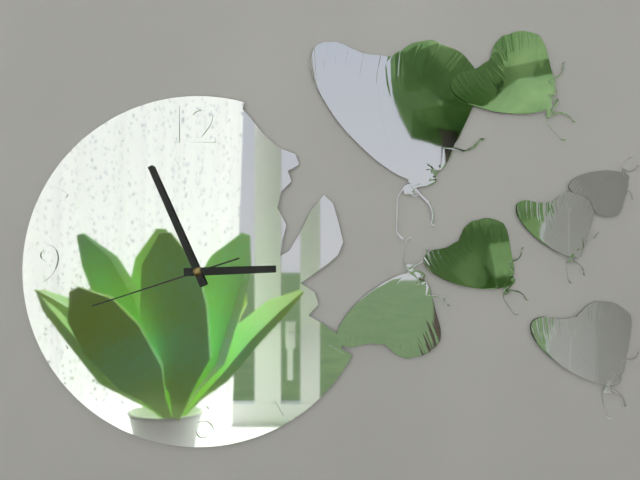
2.56.42
